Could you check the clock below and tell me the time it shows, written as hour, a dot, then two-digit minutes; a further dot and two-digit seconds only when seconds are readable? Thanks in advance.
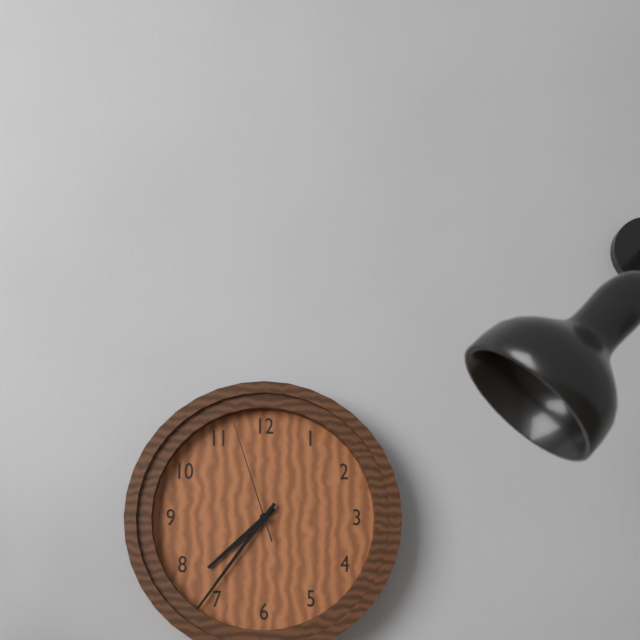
7.36.57
